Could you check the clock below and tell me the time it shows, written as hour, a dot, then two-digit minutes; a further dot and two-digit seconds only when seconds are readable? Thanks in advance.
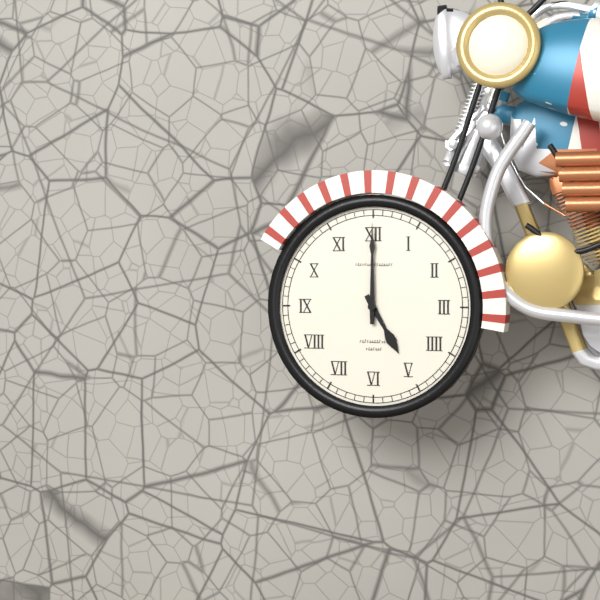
5.00
